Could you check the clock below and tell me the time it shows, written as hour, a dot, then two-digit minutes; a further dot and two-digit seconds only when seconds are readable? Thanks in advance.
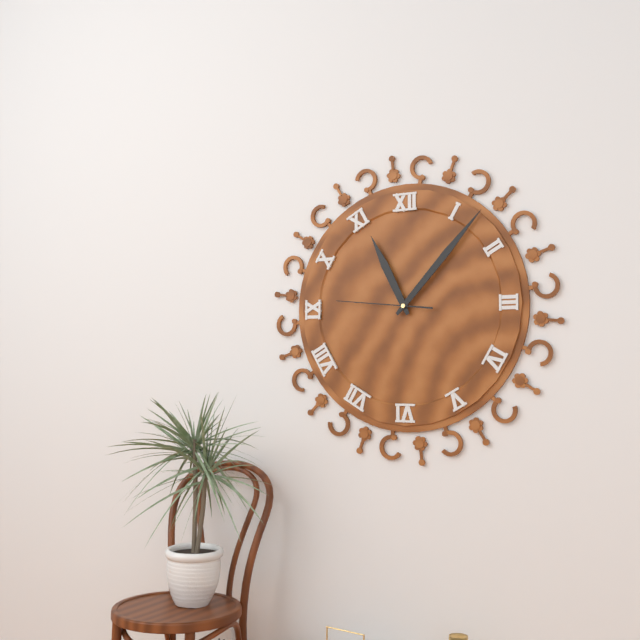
11.07.46
